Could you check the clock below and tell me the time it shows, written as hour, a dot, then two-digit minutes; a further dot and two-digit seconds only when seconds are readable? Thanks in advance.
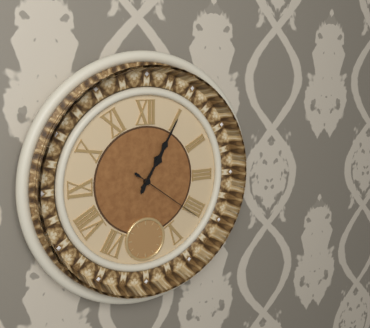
1.05.21
